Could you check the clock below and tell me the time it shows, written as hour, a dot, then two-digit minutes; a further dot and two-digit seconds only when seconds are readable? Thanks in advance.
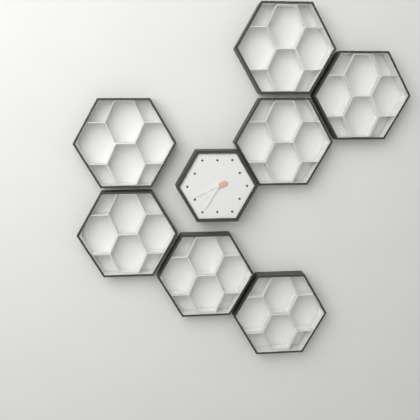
7.35
